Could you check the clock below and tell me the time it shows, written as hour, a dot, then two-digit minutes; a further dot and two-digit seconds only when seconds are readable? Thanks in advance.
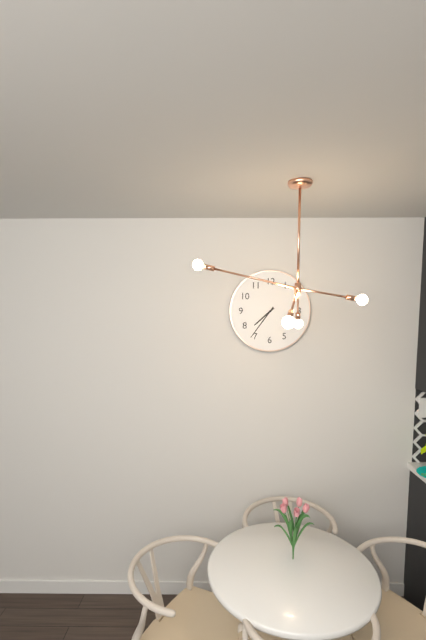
7.36
